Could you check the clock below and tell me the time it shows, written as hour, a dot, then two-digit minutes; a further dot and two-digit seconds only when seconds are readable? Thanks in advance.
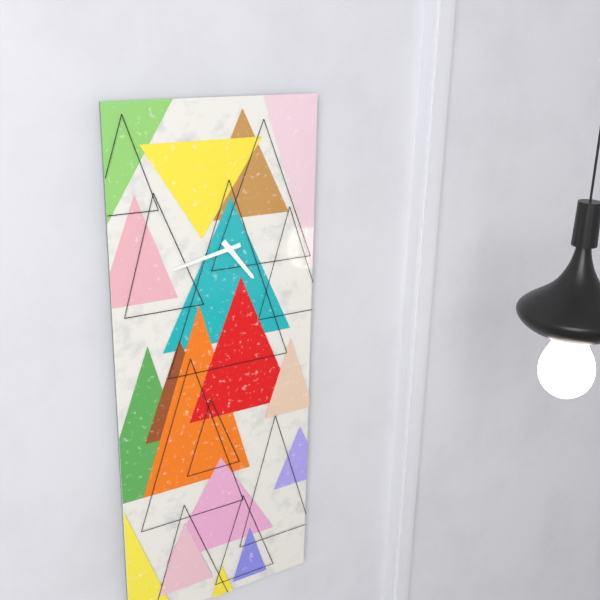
4.43
